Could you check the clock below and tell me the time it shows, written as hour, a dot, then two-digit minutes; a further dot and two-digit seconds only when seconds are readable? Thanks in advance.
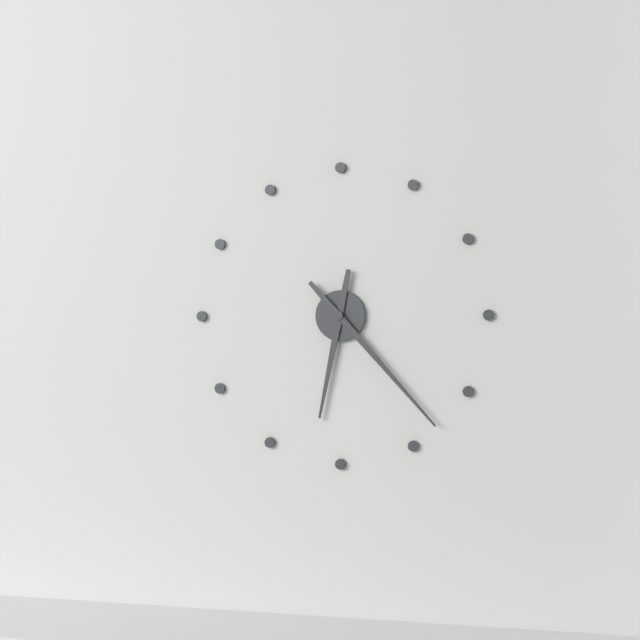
6.23
